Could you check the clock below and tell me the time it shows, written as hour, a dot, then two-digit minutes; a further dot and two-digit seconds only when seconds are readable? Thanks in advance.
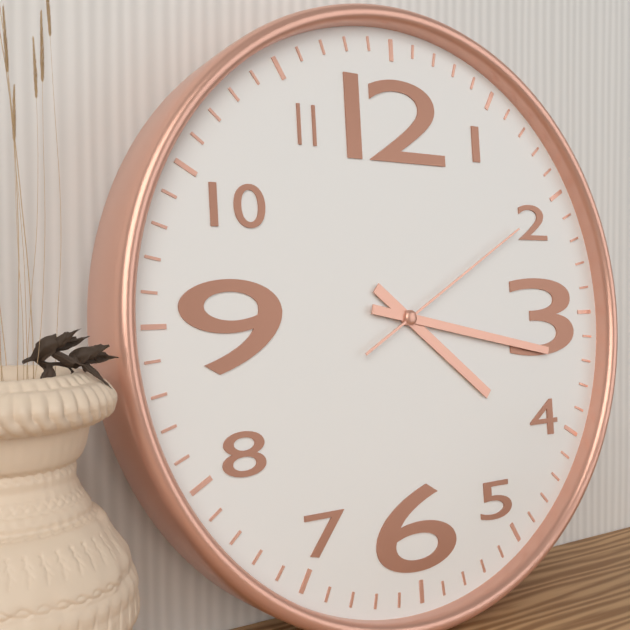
4.17.10
